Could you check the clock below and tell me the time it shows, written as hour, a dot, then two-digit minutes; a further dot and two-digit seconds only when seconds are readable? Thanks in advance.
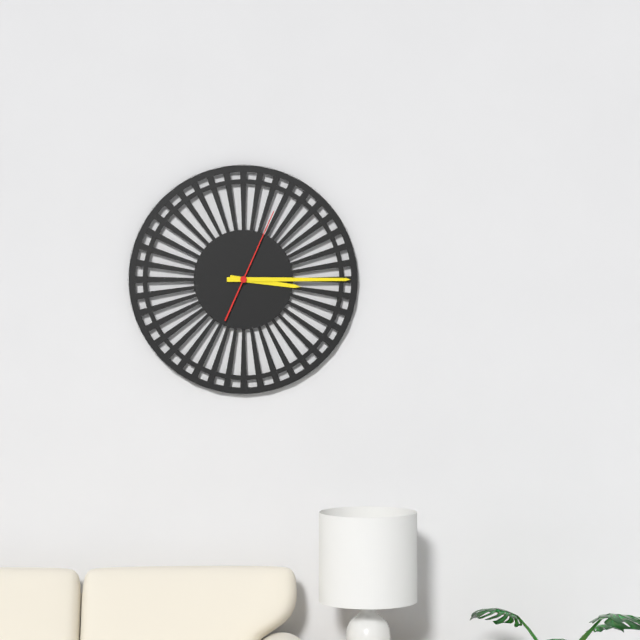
3.15.04
